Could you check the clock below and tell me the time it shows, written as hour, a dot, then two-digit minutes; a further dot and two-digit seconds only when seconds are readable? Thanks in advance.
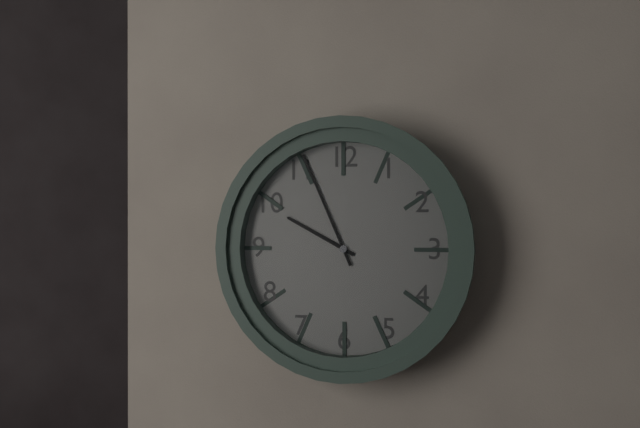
9.56
